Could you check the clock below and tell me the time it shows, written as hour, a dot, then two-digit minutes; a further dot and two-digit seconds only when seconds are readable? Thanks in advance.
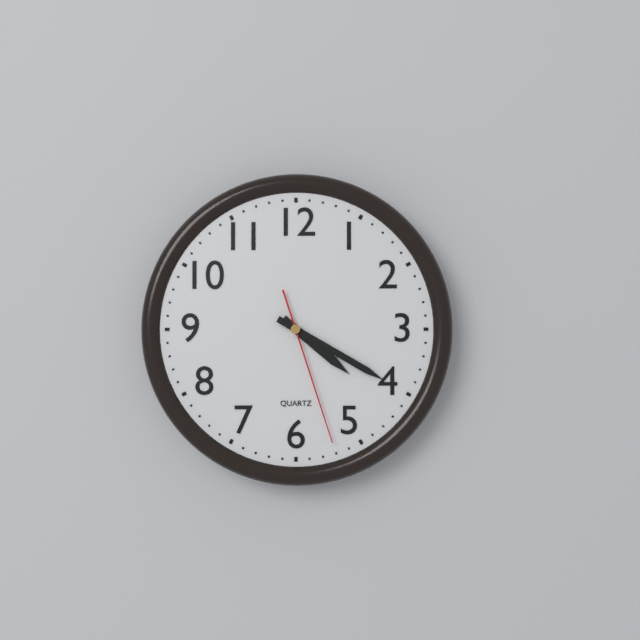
4.20.27
